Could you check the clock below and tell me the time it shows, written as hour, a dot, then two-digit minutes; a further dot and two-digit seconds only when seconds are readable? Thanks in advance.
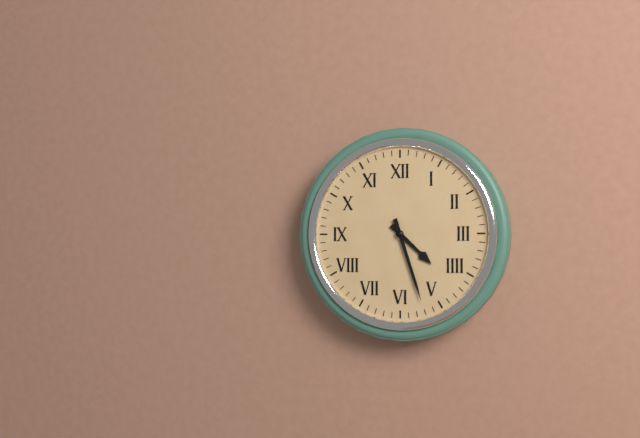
4.27
